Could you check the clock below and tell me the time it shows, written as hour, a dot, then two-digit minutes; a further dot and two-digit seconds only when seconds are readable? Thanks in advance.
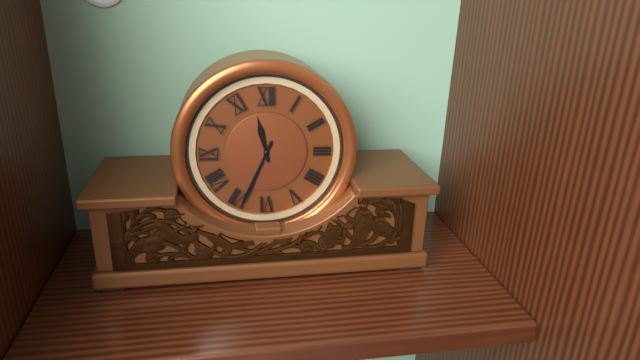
11.34
